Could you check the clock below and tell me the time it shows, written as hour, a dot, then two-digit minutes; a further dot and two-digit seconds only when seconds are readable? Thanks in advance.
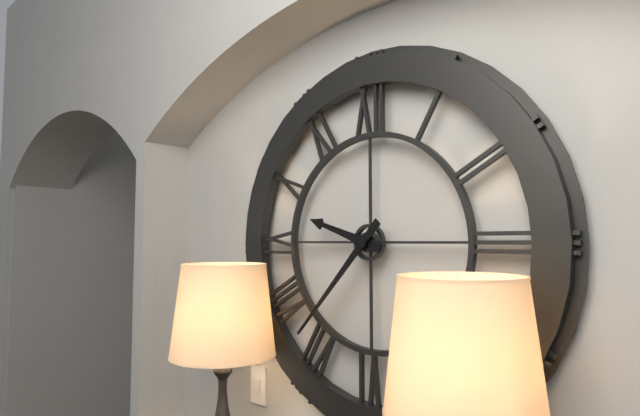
9.37
